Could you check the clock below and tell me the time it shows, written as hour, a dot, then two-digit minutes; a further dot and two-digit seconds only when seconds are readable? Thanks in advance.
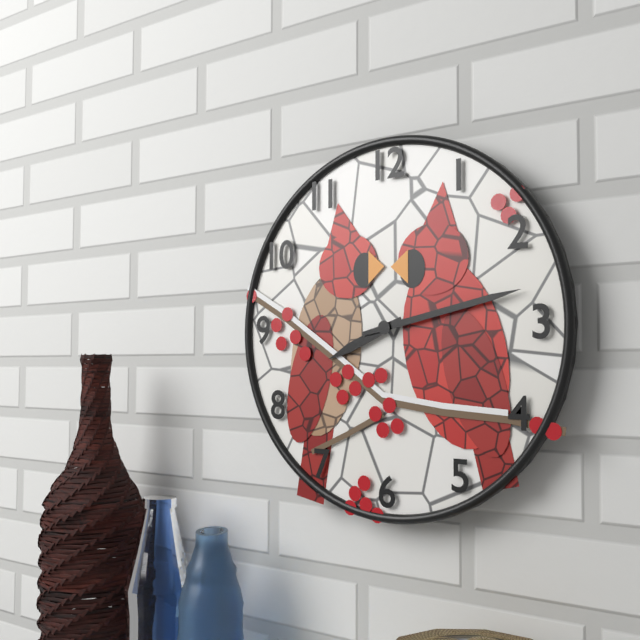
8.13
